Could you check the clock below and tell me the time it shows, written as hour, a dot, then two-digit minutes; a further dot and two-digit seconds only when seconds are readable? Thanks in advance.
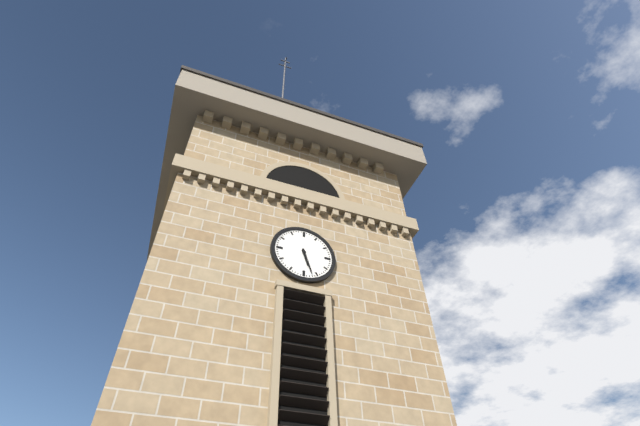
5.27
